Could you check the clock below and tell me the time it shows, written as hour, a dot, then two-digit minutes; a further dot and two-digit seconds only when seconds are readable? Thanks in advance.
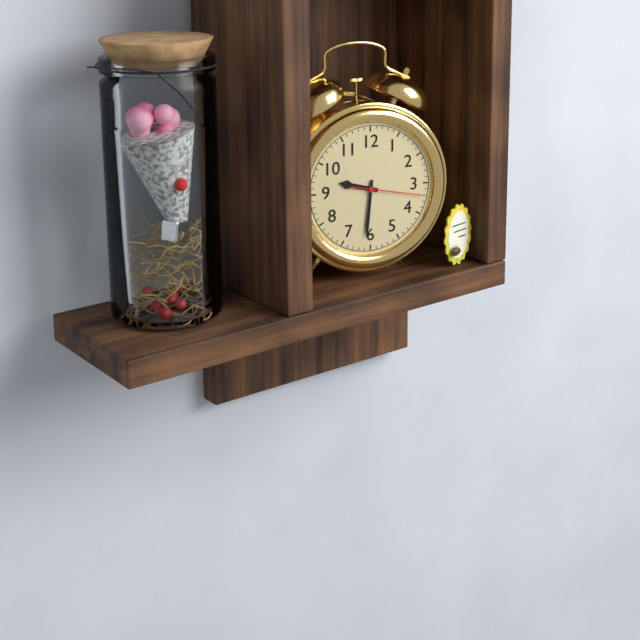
9.31.17
